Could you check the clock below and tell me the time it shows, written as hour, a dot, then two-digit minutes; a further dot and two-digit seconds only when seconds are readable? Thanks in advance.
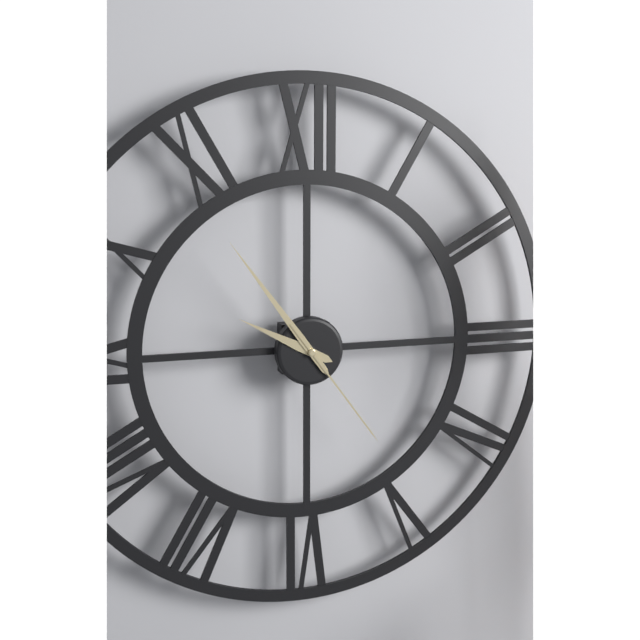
9.54.24
